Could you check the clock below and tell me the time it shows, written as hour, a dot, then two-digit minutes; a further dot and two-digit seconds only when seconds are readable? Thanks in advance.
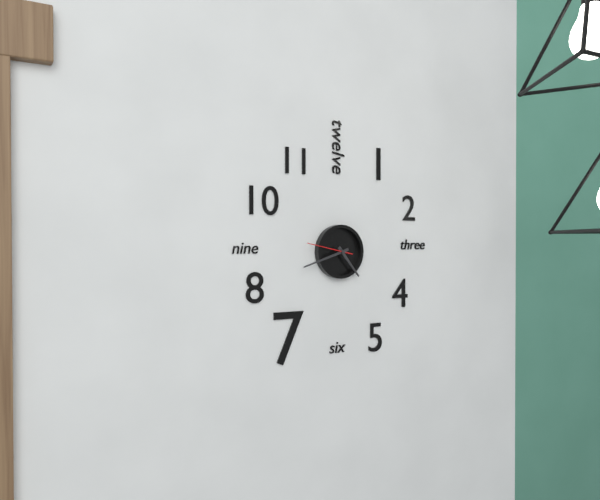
4.42
